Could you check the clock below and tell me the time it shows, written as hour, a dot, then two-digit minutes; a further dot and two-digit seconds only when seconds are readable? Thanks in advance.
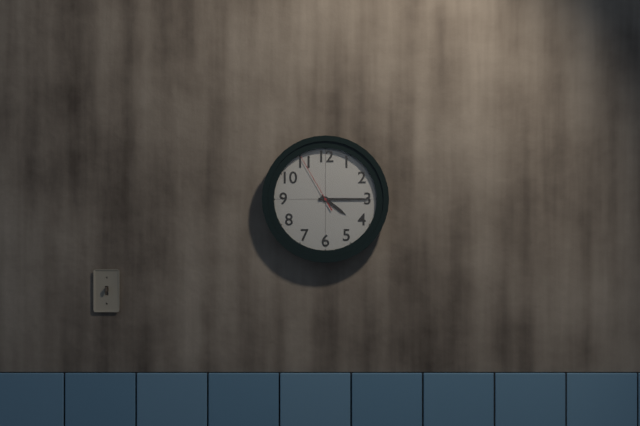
4.15.55
